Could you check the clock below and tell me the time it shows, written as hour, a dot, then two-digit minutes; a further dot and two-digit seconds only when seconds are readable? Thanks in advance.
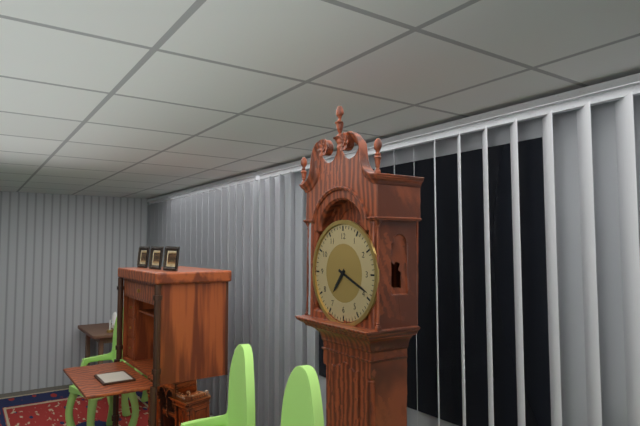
7.19
